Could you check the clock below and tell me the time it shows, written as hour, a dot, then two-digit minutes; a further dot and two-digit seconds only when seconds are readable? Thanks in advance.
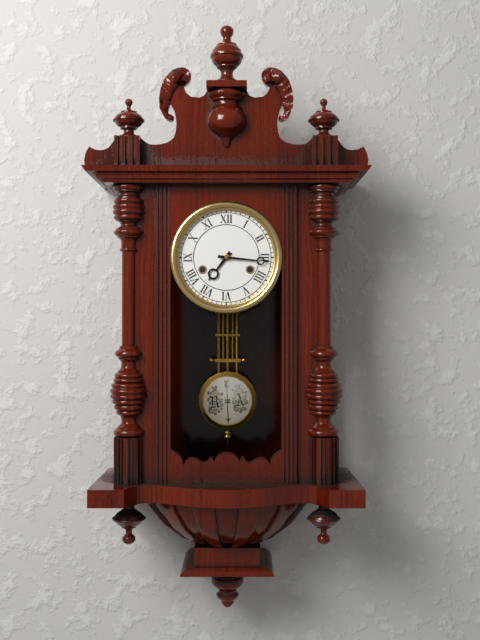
7.16
